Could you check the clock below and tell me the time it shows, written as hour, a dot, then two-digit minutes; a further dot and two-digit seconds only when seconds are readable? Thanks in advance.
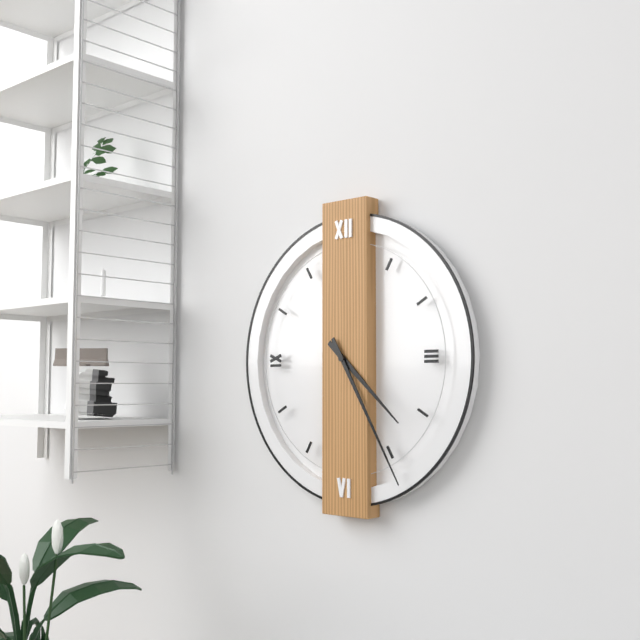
4.25
